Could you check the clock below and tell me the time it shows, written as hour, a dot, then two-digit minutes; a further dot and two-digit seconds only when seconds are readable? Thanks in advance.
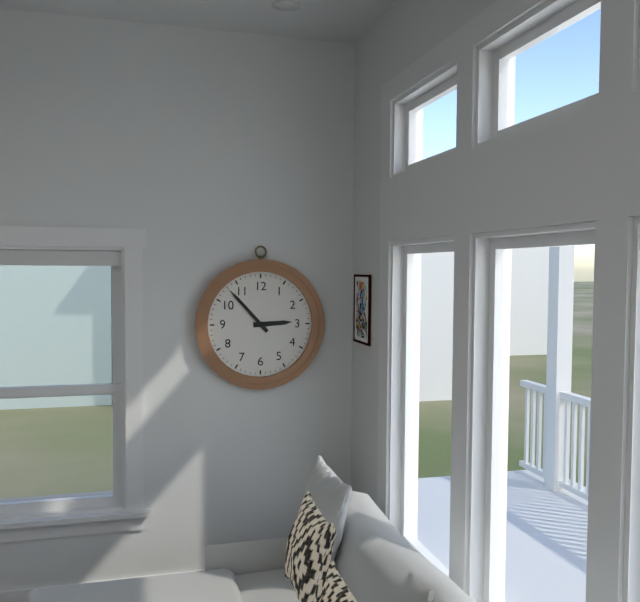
2.53
